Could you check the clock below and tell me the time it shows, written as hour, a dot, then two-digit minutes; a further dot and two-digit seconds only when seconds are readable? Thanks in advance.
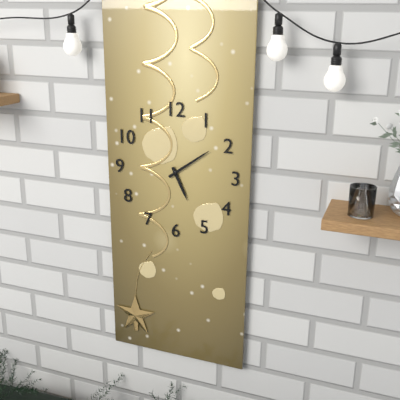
5.09
